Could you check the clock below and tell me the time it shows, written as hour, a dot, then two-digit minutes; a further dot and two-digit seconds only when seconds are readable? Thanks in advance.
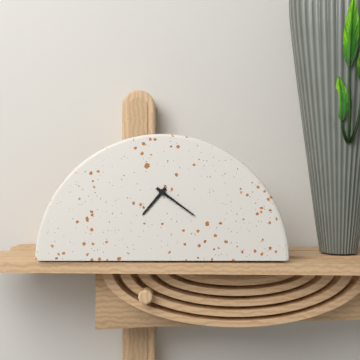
7.21
